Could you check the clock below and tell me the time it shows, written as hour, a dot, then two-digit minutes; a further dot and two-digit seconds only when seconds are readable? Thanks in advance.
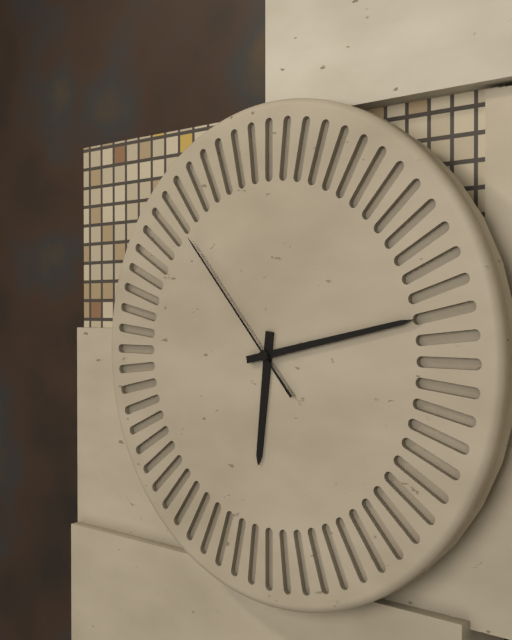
6.13.53
